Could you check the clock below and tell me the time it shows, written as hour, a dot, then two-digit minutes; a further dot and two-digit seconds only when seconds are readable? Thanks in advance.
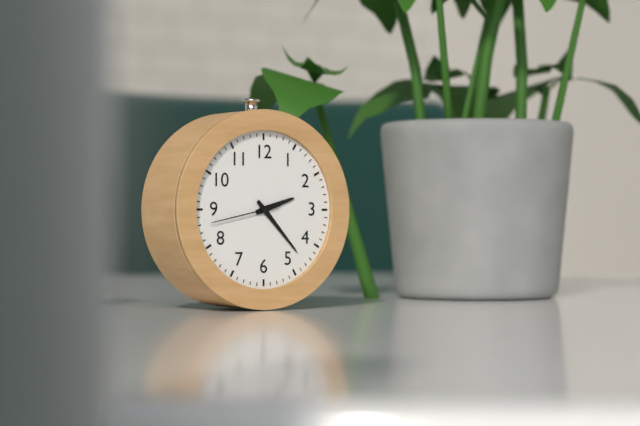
2.23.43
